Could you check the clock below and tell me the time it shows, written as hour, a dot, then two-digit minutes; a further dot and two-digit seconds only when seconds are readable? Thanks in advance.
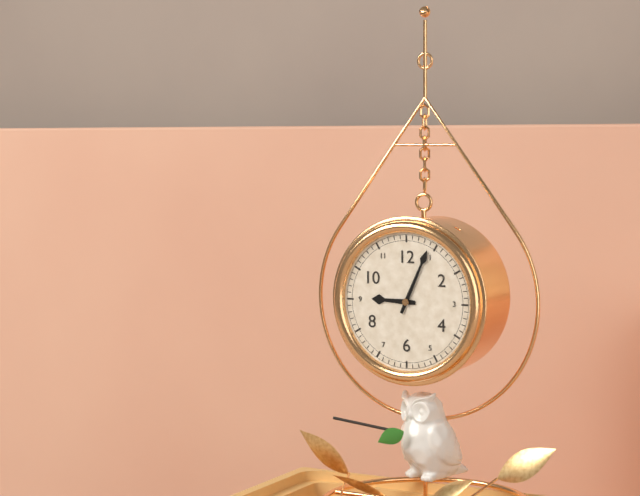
9.04
